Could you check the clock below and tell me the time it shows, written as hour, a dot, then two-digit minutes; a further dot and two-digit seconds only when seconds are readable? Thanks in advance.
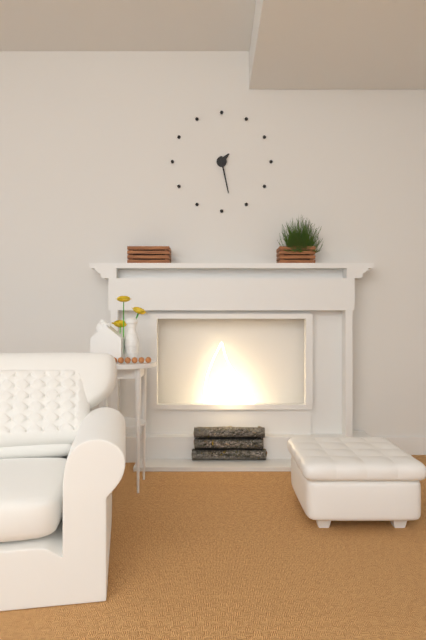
1.28
